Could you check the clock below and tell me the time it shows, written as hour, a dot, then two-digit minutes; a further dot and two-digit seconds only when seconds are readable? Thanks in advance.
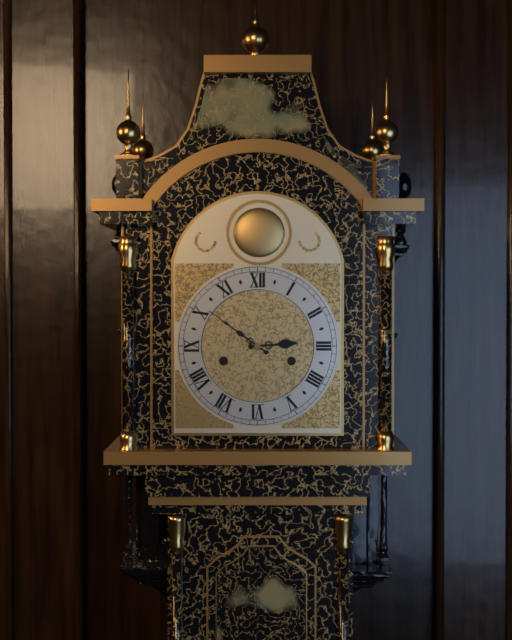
2.51
